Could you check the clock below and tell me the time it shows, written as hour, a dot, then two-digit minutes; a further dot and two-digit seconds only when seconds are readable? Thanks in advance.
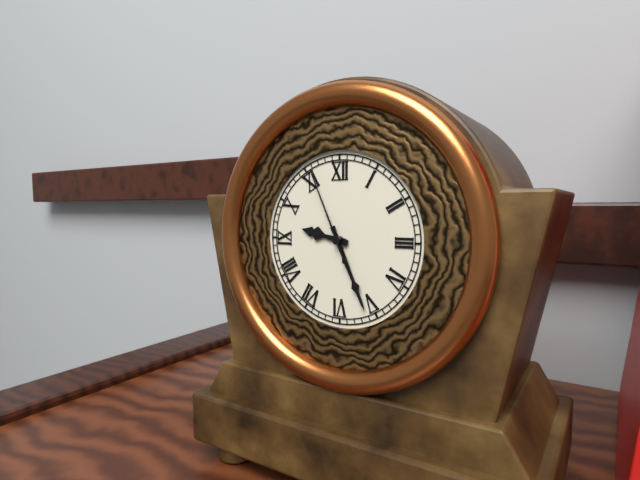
9.26.56
